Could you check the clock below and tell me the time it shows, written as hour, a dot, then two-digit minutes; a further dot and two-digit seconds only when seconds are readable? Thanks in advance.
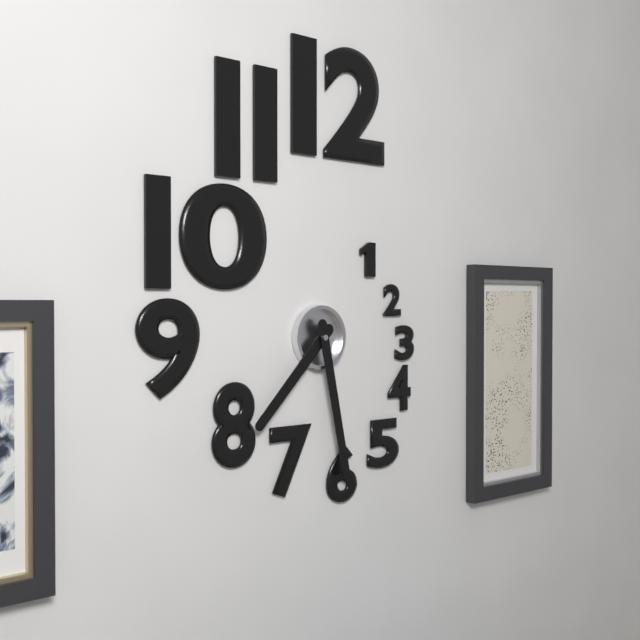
7.28
